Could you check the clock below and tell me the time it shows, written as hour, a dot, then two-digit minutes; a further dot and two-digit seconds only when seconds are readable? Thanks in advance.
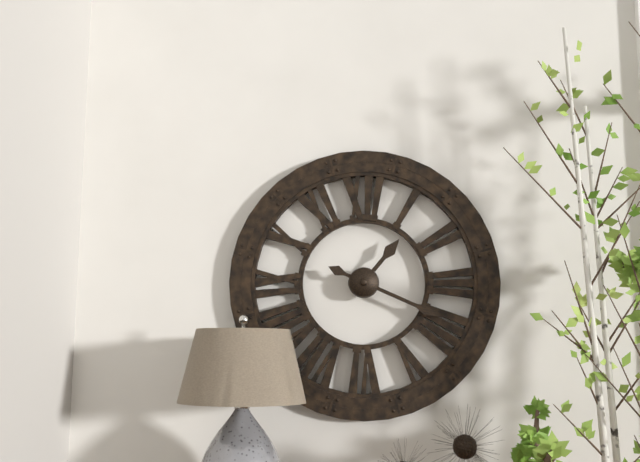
1.19
